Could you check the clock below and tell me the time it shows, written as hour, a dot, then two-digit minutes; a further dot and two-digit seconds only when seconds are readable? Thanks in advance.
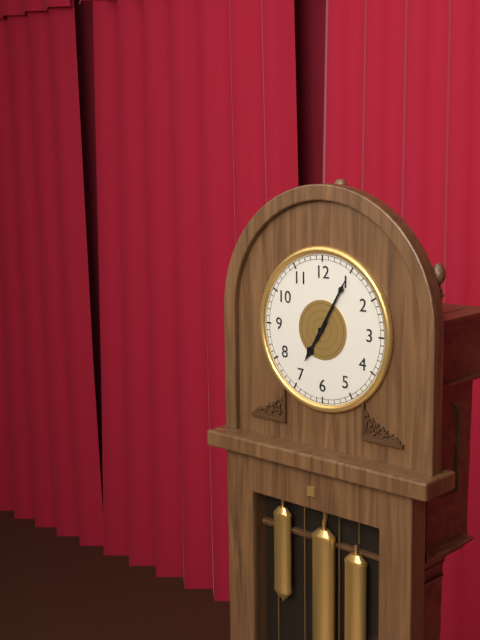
7.05
